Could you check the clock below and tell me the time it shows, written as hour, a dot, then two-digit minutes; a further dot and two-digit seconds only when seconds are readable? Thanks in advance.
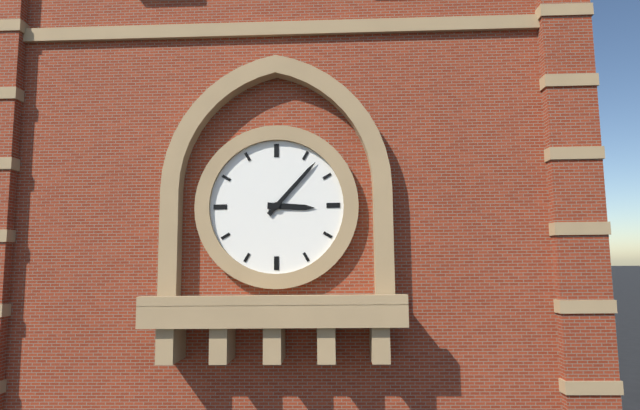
3.07
